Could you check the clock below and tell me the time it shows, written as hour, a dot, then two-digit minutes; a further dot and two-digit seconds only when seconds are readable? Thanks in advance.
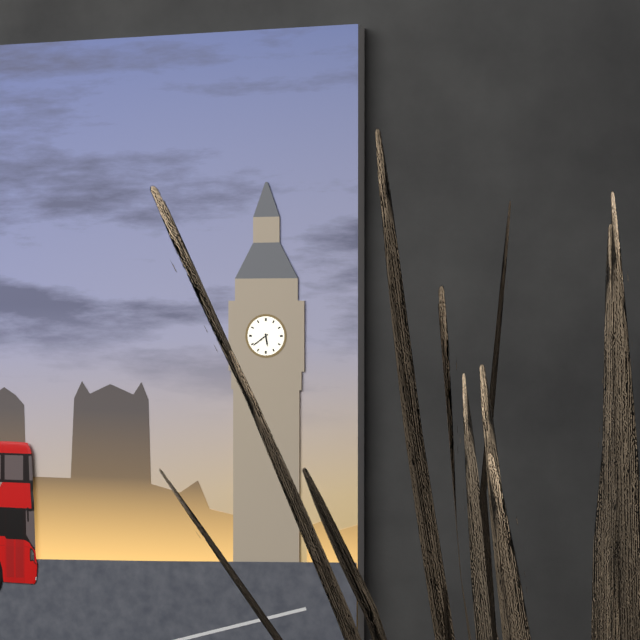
5.39
